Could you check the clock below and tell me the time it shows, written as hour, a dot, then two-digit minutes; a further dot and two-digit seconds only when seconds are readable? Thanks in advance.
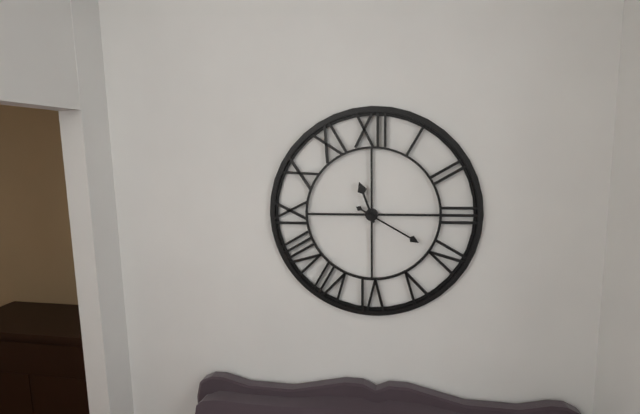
11.20
